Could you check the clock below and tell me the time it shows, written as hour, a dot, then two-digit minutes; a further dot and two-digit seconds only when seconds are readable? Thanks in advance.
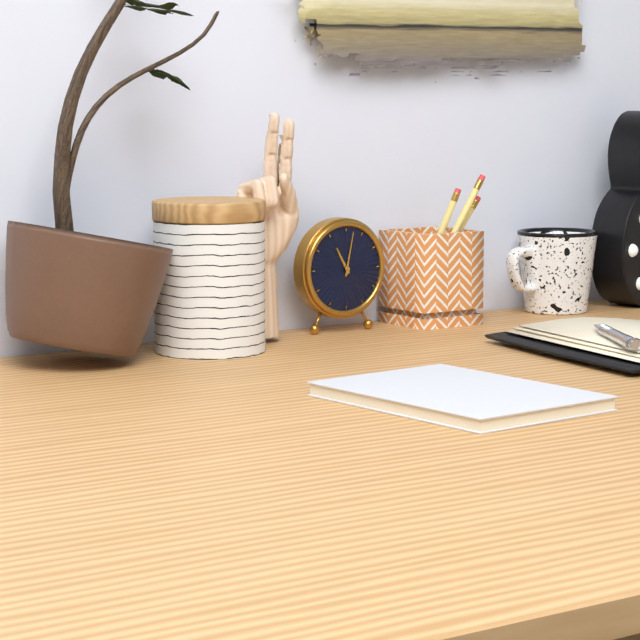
11.02
